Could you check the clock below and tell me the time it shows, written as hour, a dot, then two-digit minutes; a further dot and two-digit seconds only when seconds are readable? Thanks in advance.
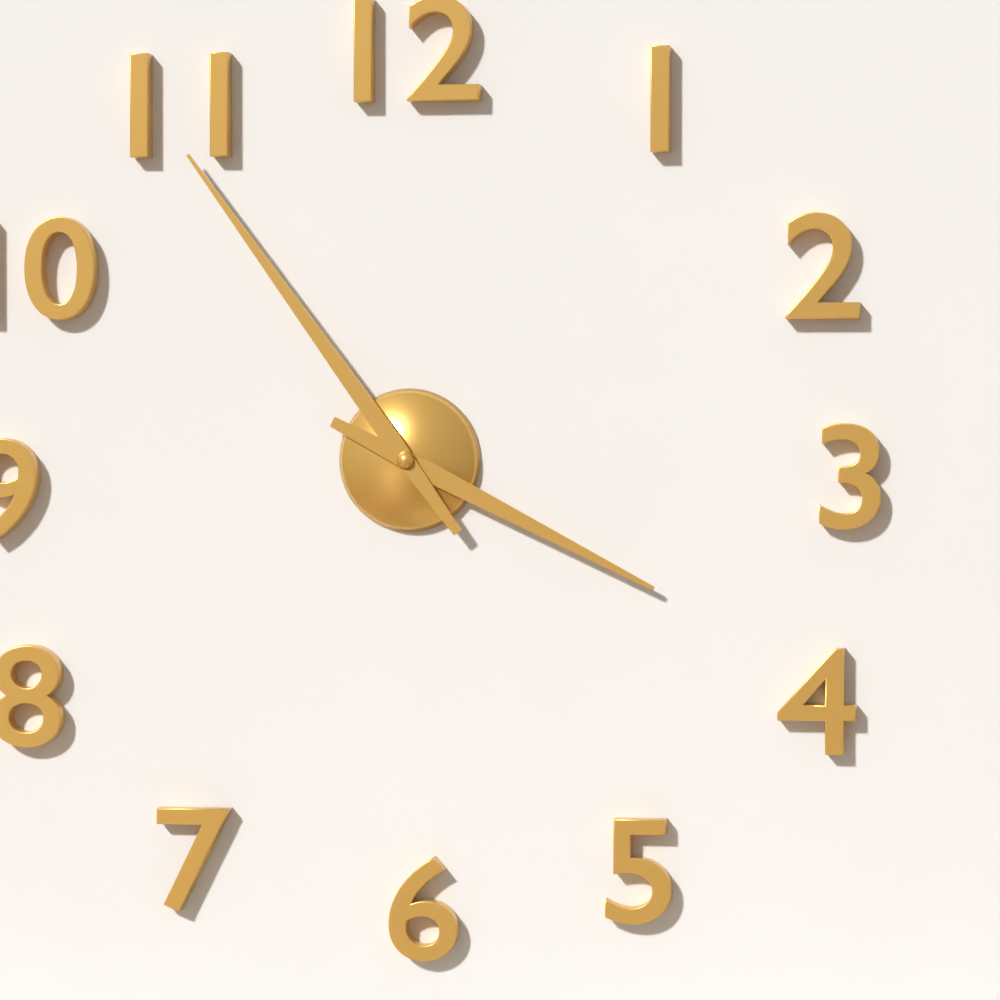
3.54
